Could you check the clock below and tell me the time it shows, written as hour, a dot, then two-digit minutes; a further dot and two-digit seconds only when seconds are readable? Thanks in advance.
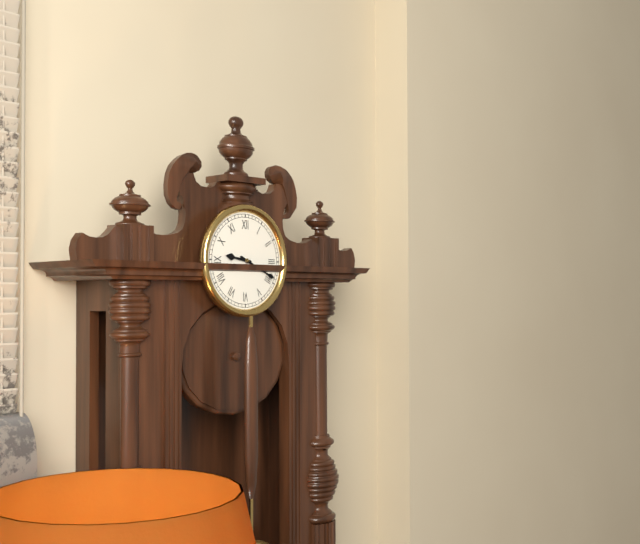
9.19
